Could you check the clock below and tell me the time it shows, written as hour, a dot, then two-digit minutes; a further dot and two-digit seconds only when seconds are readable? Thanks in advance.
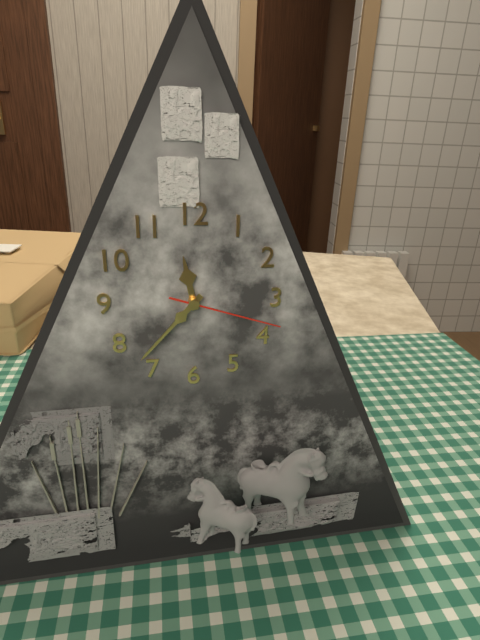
11.37.18
